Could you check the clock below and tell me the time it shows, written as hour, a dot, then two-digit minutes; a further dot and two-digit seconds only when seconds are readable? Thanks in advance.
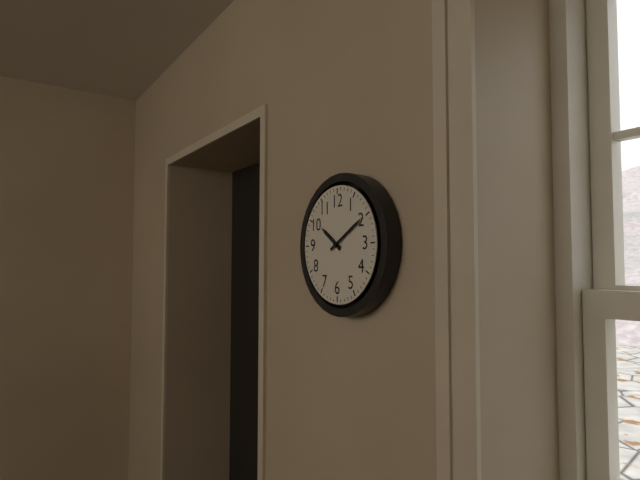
10.10
